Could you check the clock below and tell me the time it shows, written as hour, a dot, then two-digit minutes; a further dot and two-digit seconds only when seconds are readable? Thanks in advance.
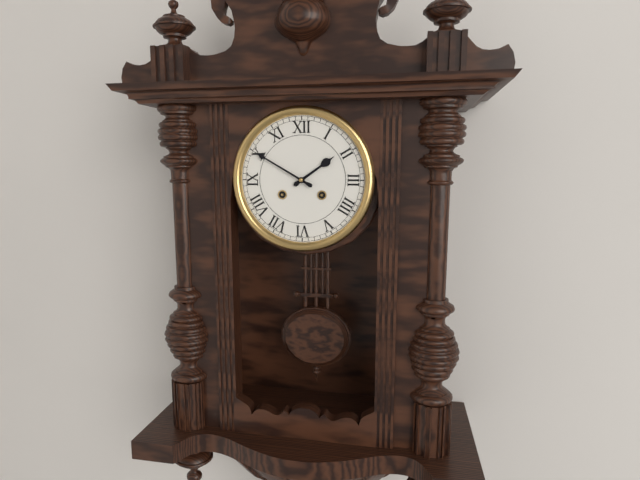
1.50
